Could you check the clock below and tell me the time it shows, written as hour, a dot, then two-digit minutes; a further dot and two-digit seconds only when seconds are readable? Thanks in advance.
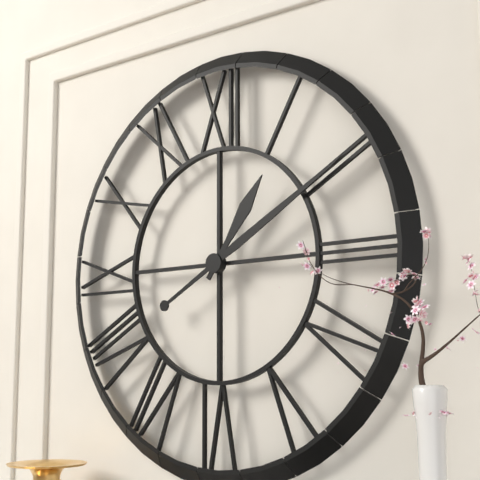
1.10
